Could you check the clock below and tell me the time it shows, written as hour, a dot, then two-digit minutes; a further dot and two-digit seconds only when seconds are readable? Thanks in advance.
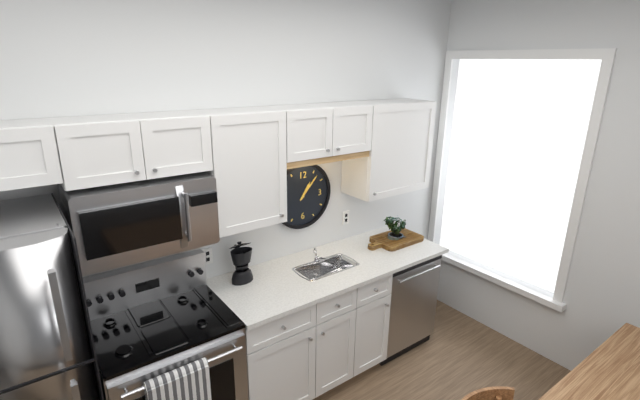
1.07
